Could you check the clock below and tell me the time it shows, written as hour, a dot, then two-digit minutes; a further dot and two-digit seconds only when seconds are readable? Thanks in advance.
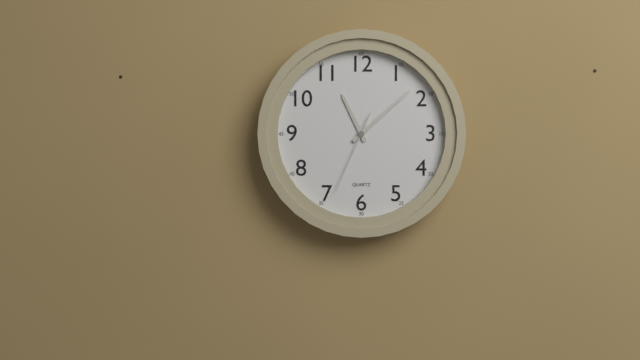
11.08.34
